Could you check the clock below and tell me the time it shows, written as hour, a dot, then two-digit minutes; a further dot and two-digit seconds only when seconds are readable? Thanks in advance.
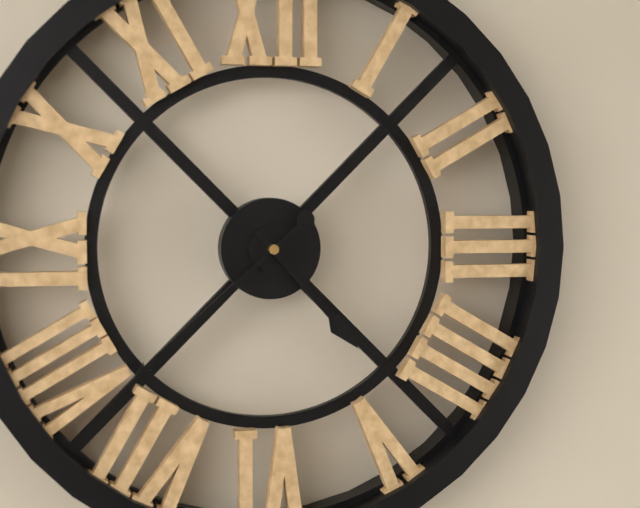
4.38
